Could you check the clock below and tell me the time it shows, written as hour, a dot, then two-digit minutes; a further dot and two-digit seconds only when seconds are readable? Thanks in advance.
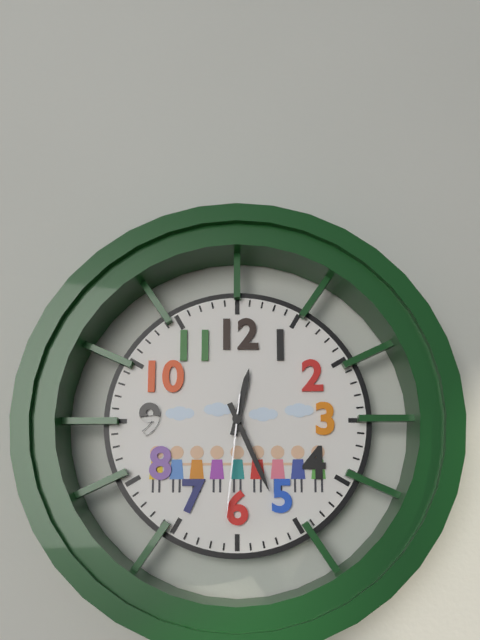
12.26.31
